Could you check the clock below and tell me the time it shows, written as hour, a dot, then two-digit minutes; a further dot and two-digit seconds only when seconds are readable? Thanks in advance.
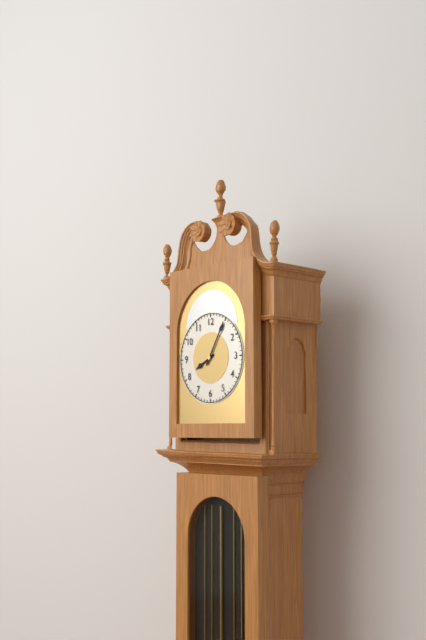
8.05
